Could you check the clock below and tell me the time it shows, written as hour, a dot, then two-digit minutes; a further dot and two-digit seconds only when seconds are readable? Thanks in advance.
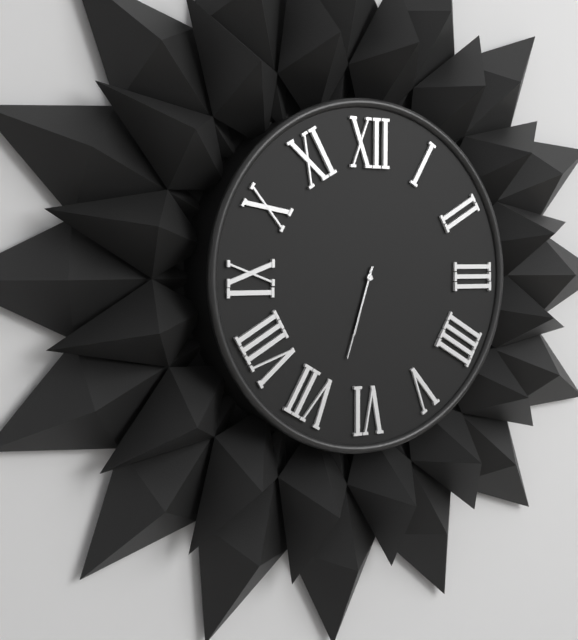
6.33
